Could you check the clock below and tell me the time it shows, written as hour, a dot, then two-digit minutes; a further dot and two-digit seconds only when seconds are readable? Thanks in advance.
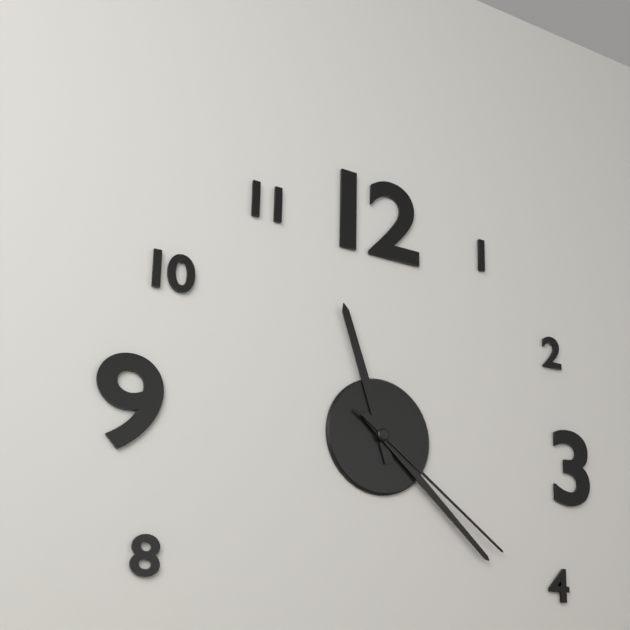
11.22.21
